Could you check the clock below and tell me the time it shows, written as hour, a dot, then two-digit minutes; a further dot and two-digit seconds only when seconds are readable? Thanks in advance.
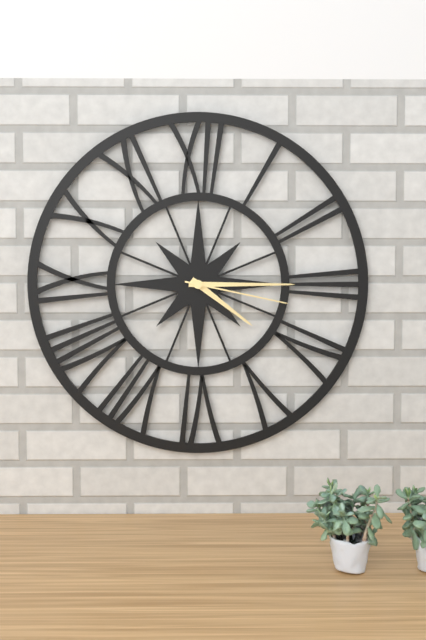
4.15.17
